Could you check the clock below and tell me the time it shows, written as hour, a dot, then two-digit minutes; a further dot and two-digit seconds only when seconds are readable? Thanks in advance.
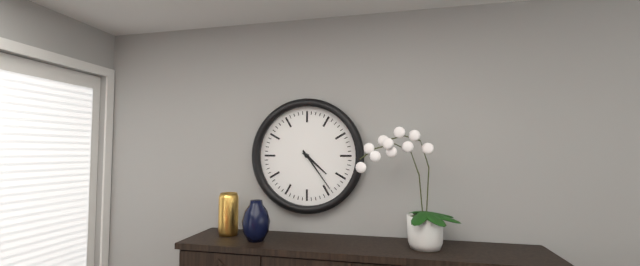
4.24
